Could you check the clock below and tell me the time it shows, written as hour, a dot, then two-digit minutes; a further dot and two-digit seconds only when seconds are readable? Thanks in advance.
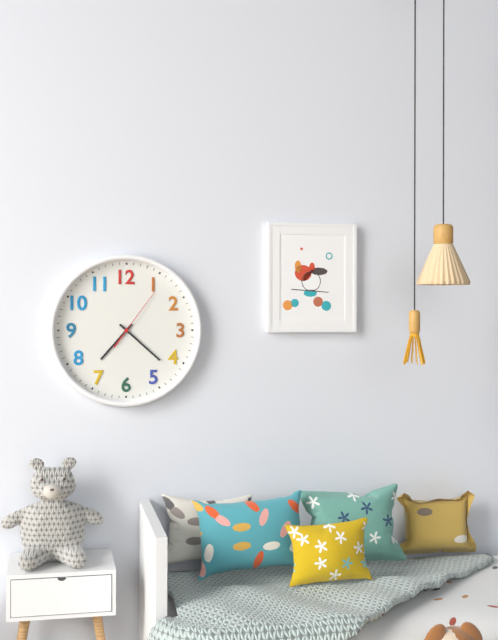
7.22.06
